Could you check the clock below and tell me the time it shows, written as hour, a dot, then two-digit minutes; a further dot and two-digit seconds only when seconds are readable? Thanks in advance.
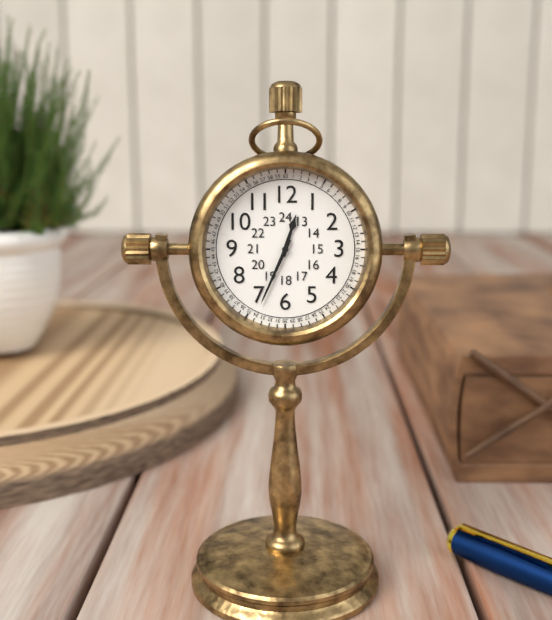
12.34
